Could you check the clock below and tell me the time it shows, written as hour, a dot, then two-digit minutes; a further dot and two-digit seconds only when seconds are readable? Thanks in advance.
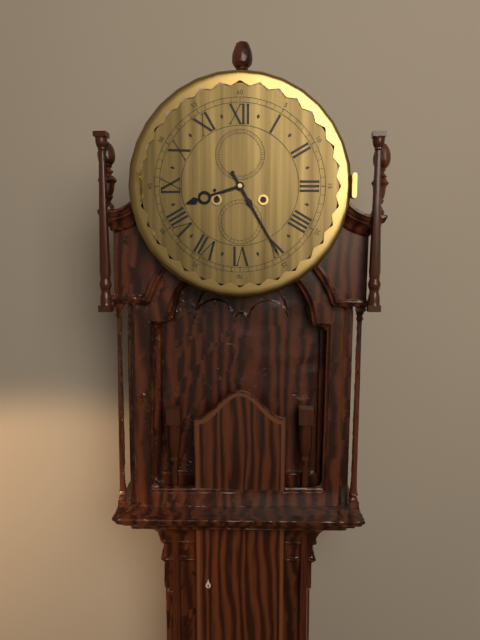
8.25
